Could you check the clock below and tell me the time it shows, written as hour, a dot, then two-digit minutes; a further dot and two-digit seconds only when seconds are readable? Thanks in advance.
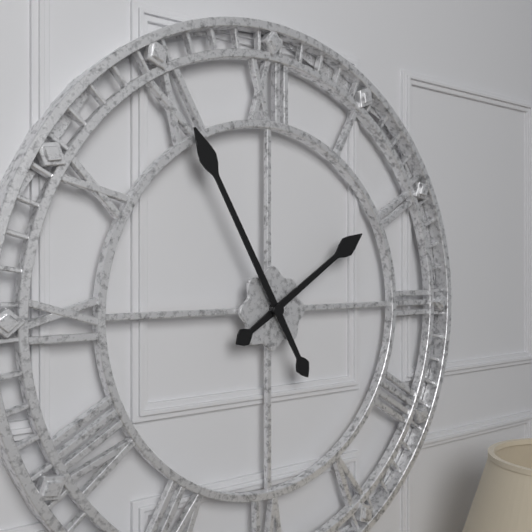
1.55
